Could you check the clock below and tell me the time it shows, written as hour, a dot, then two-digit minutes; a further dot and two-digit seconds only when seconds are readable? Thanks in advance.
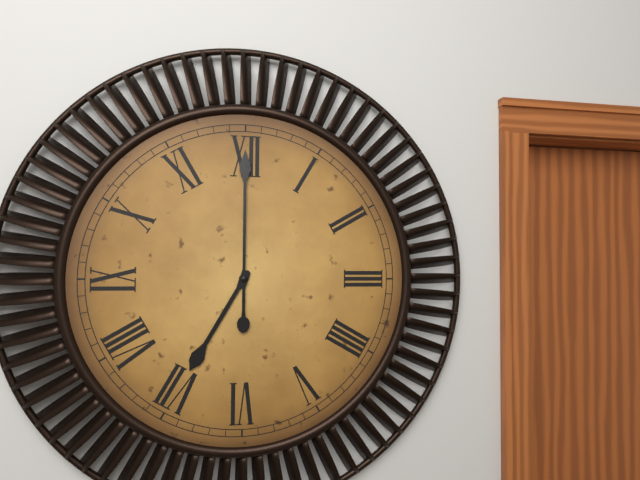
7.00
